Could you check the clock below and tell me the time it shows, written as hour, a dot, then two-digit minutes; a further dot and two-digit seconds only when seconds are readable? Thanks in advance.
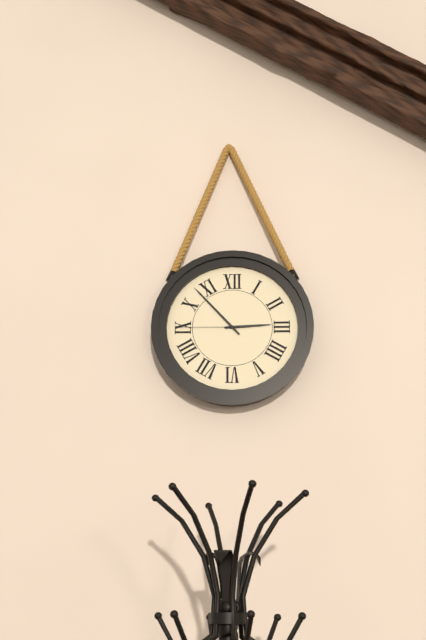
2.53.45
